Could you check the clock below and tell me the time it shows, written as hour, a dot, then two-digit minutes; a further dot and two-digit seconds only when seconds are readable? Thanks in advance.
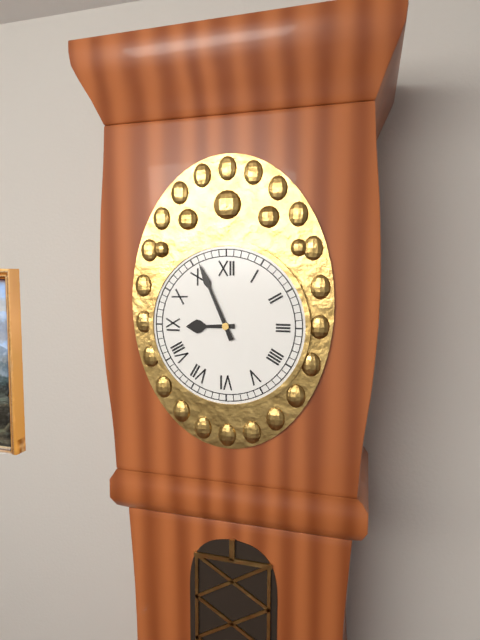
8.56
